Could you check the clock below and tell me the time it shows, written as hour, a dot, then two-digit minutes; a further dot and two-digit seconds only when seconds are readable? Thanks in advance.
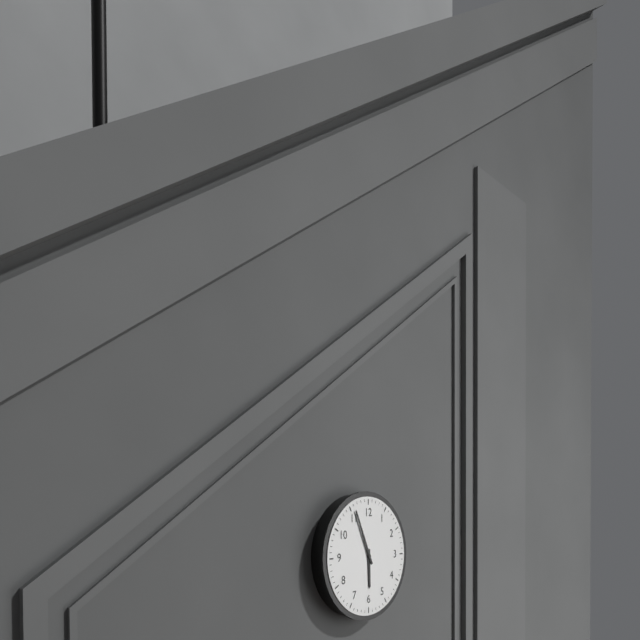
5.56
